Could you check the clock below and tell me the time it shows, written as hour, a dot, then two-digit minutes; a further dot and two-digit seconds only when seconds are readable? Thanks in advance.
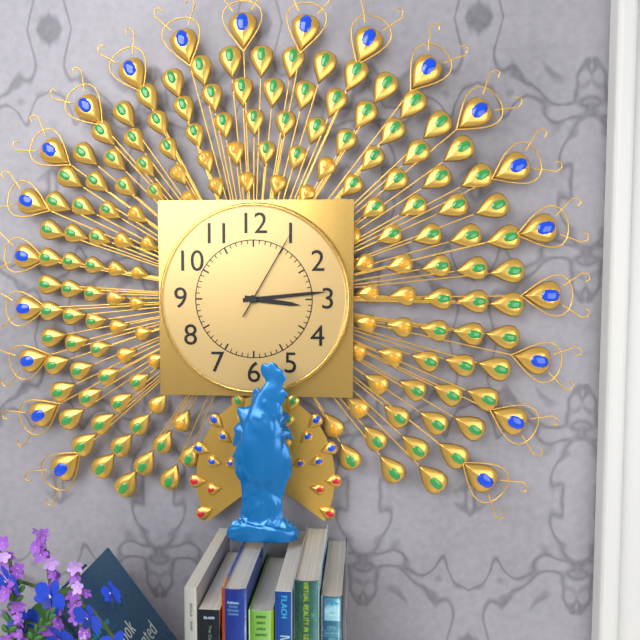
3.14.05
